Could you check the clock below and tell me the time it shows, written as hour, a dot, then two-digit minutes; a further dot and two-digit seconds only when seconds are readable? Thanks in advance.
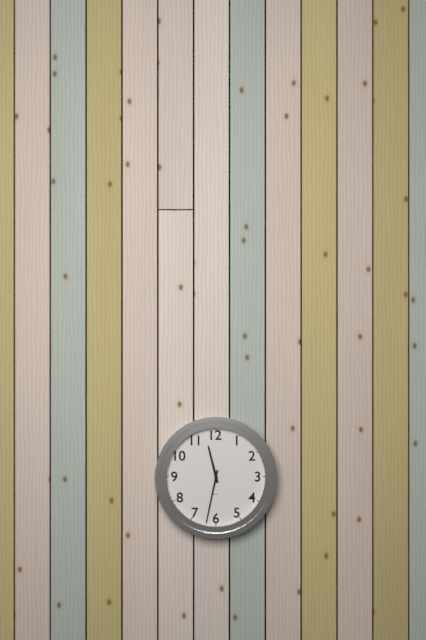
11.32
